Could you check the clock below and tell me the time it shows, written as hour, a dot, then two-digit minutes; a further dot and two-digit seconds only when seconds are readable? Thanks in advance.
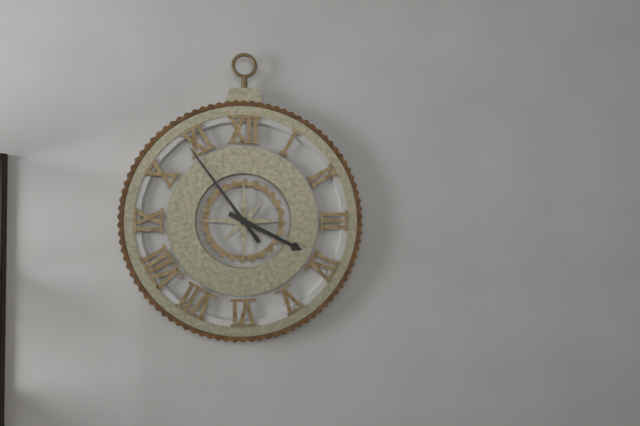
3.54
